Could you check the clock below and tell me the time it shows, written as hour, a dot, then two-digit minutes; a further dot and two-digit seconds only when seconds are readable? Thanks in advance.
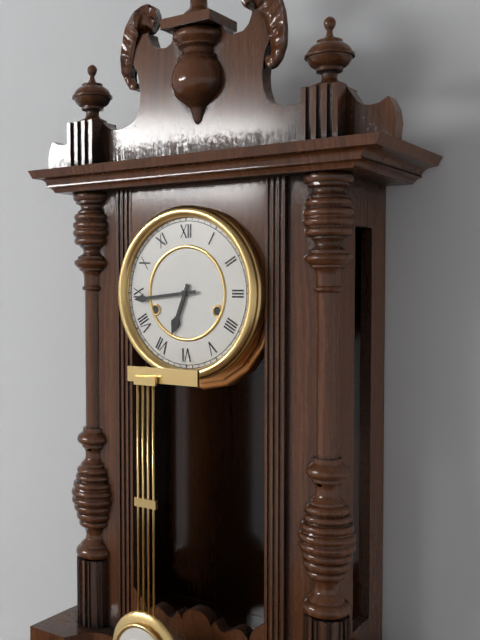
6.44
